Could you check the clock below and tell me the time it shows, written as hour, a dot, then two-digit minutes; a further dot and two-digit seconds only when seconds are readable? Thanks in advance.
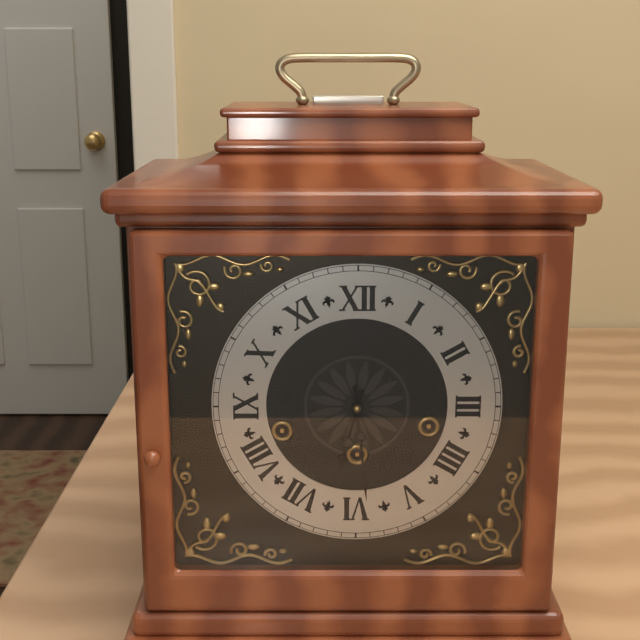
6.29
